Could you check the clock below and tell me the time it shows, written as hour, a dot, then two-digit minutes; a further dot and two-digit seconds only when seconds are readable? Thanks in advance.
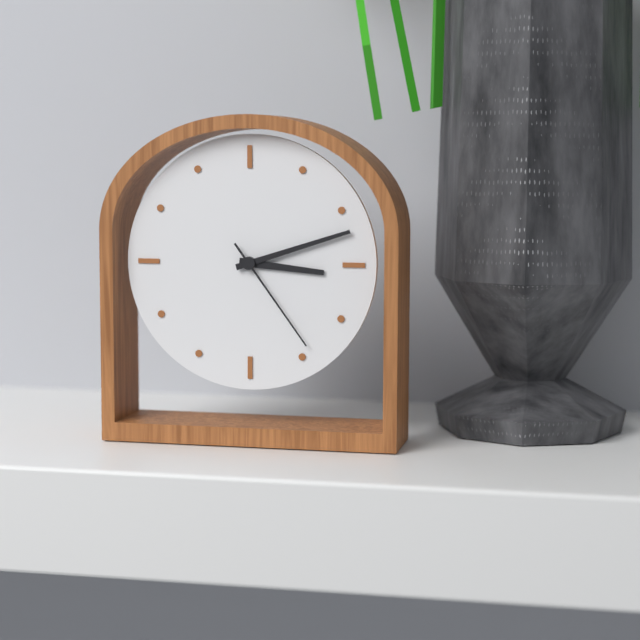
3.12.24
